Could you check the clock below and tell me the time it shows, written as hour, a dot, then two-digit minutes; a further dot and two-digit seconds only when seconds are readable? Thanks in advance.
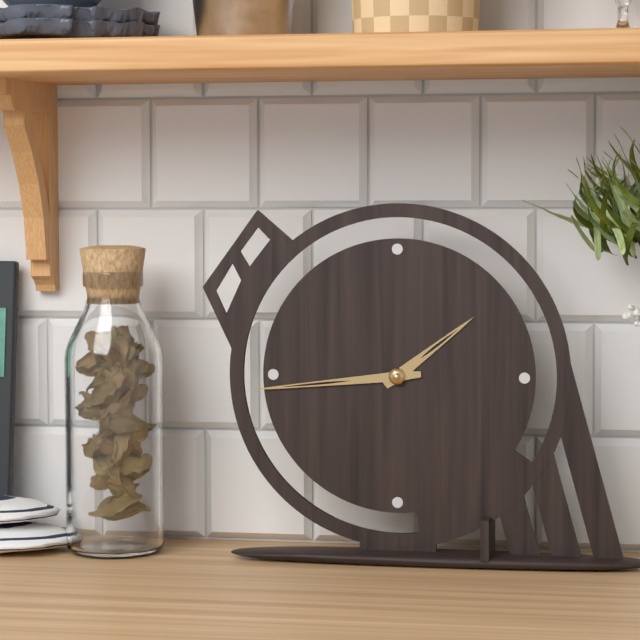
1.44
